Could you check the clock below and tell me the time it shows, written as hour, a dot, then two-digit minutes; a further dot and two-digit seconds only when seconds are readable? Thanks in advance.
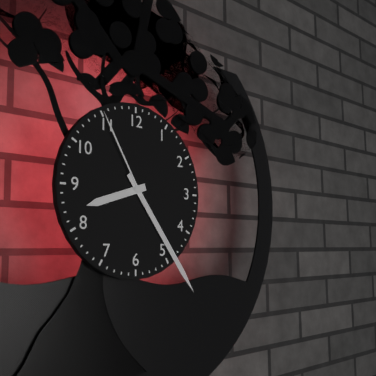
8.24.55
